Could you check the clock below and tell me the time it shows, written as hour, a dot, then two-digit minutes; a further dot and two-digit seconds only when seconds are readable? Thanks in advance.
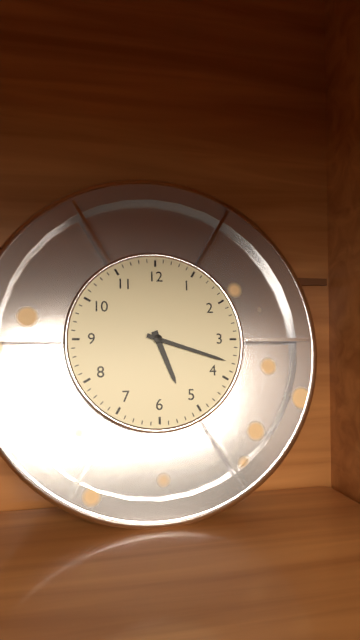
5.18
